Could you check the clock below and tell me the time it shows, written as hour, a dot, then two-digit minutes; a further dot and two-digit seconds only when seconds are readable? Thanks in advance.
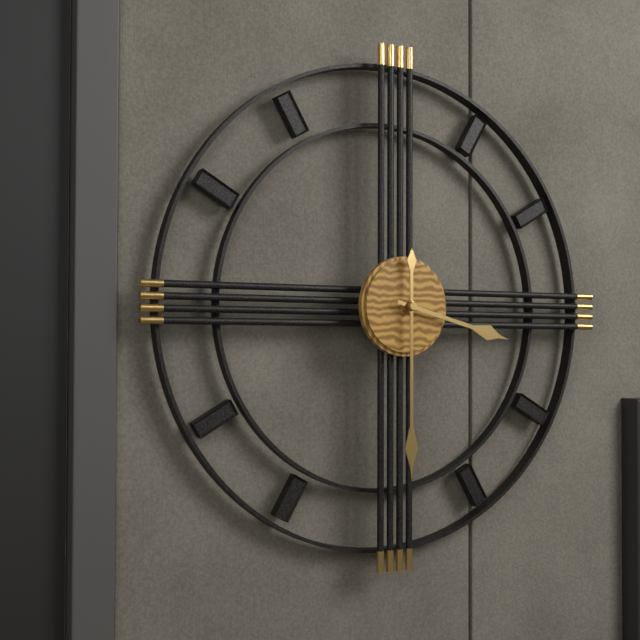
3.30
